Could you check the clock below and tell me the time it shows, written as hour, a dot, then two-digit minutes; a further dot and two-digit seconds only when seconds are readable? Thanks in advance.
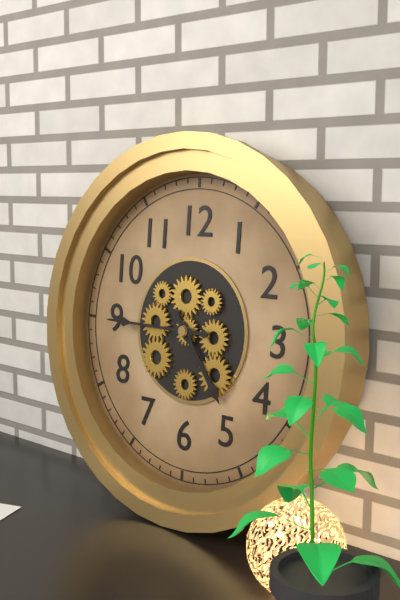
4.45
